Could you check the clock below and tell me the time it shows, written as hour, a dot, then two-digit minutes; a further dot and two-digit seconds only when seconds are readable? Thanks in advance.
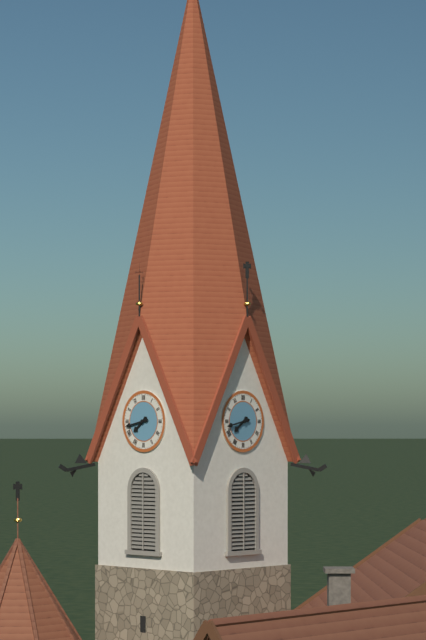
7.43
